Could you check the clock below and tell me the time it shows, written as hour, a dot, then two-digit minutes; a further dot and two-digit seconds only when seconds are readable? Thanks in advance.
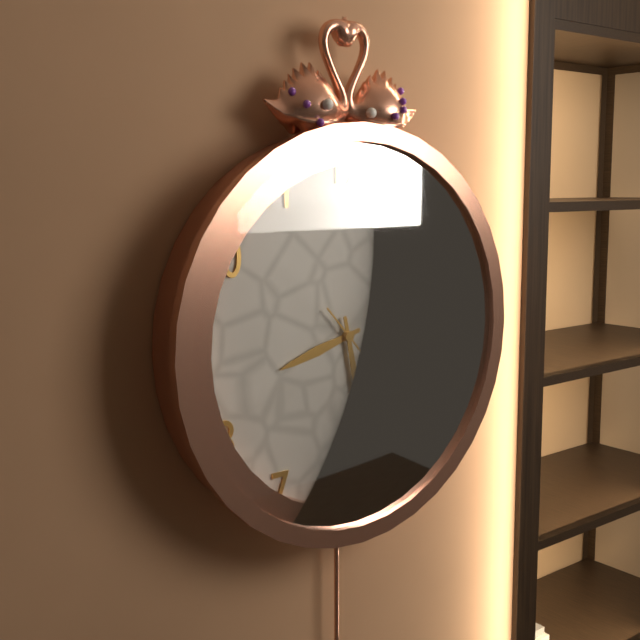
8.28.23
